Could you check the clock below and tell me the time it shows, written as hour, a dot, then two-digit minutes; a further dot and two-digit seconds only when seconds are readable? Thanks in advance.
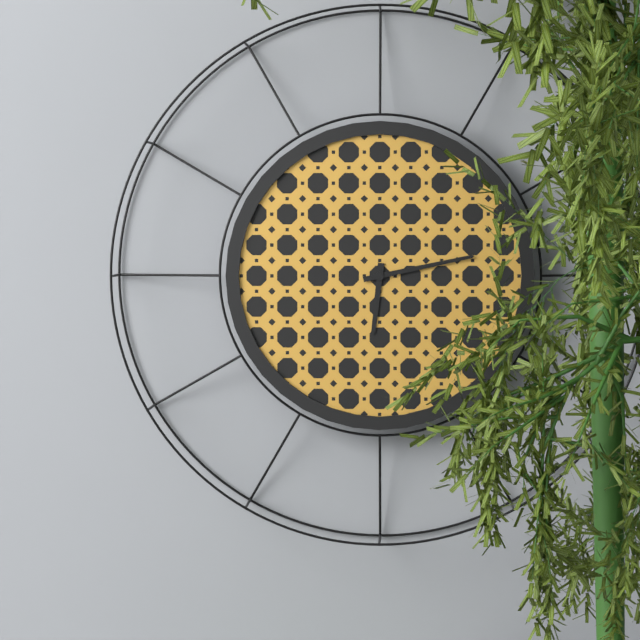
6.13
